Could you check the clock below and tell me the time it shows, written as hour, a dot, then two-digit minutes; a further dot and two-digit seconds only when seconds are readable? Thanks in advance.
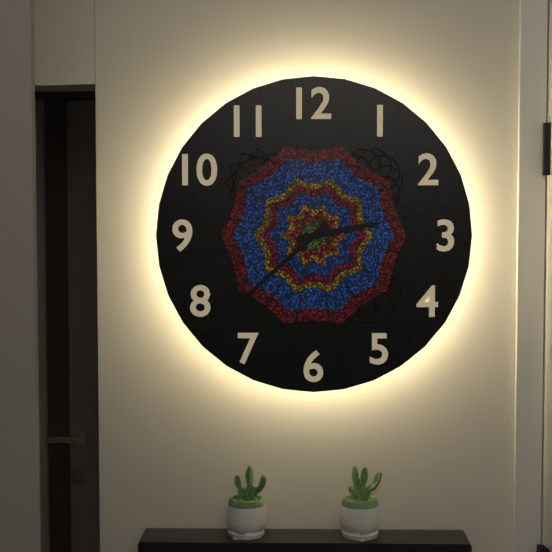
2.38
